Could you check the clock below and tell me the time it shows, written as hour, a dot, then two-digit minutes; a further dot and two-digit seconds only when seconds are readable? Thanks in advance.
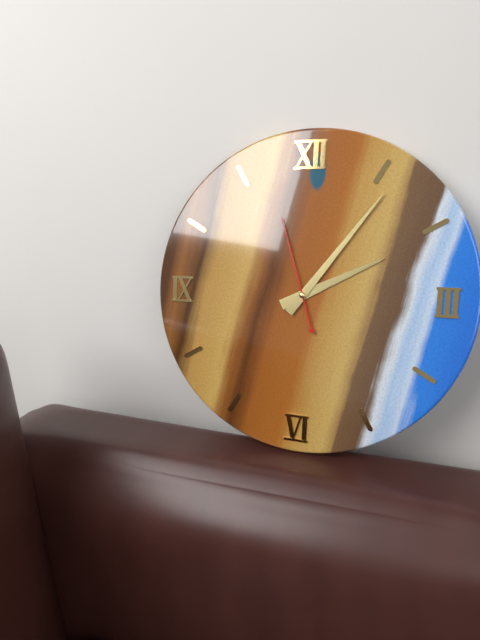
2.06.57
